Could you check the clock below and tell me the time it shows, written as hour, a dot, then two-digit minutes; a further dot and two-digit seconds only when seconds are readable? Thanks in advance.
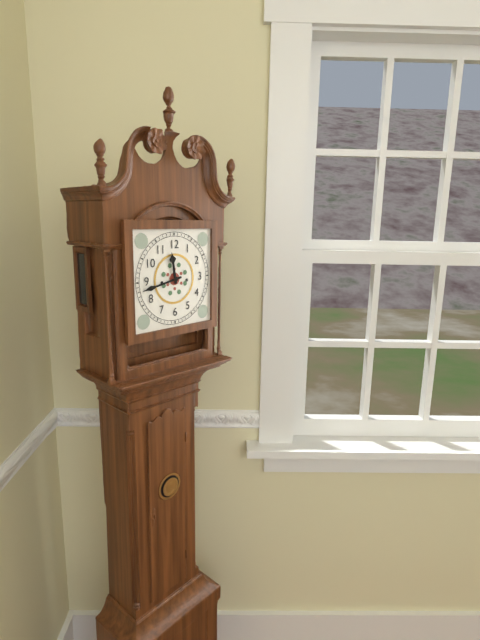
11.43
